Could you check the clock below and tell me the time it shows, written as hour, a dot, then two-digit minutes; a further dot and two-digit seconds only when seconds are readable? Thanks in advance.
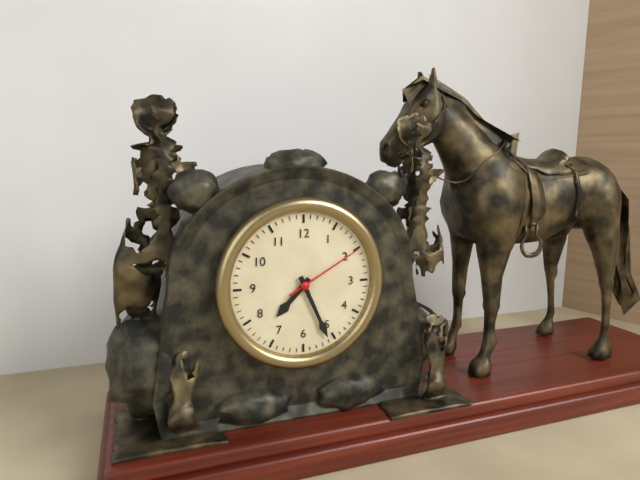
7.26.10
